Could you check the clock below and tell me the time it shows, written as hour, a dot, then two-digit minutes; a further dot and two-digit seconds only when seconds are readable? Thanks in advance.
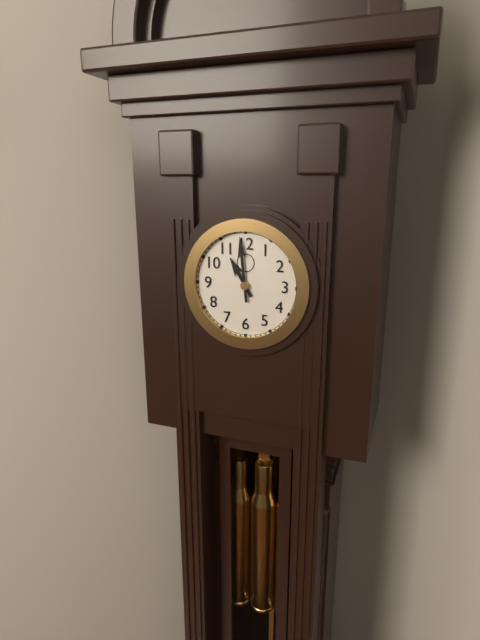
10.59
